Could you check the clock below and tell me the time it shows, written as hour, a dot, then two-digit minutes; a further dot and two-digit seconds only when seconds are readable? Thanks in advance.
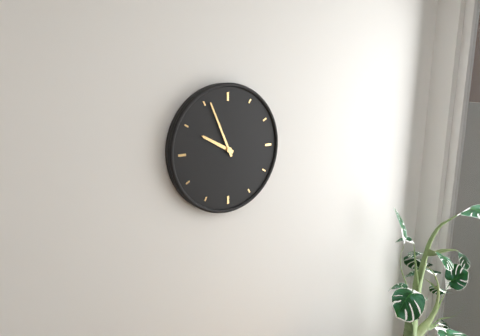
9.56
